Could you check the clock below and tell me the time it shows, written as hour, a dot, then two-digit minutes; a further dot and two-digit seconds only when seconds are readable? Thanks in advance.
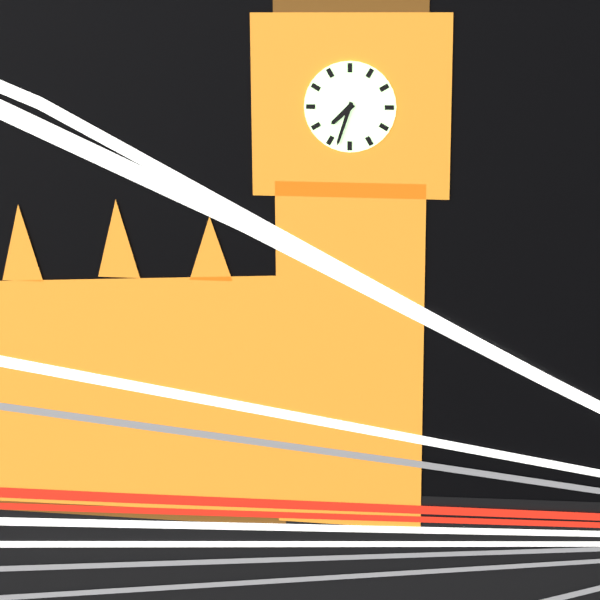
7.33
